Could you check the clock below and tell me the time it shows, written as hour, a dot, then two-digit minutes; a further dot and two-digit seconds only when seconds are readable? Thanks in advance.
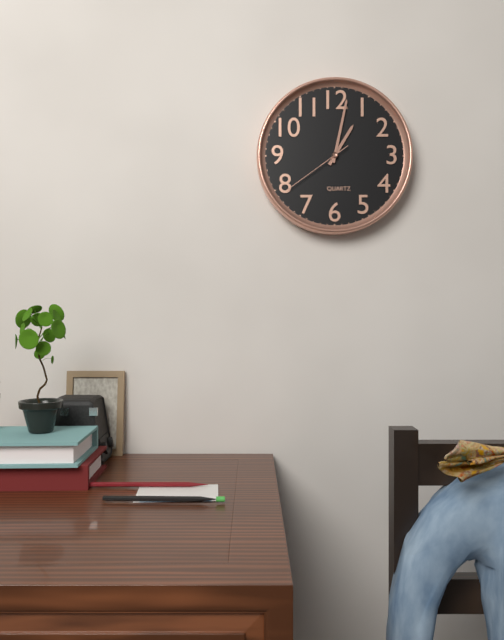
1.02.39
